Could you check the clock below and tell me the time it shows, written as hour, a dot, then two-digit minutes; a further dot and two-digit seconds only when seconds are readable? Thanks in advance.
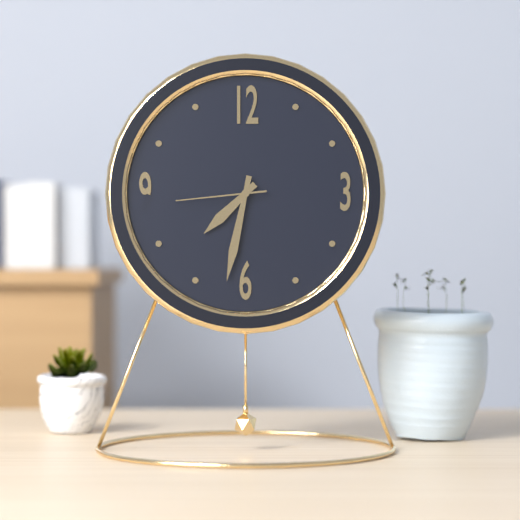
7.32.44
